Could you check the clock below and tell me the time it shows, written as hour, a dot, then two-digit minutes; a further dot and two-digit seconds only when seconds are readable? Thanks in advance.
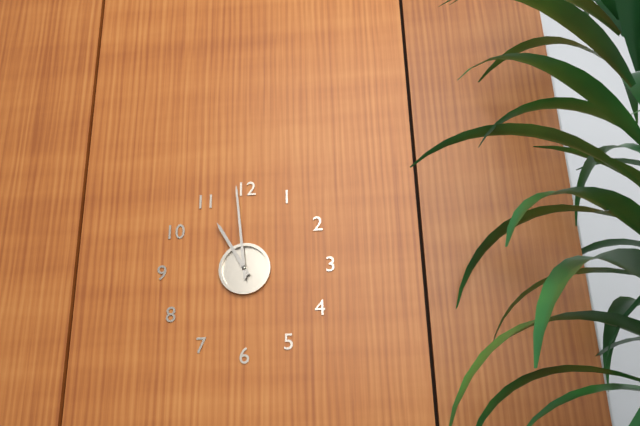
10.59
